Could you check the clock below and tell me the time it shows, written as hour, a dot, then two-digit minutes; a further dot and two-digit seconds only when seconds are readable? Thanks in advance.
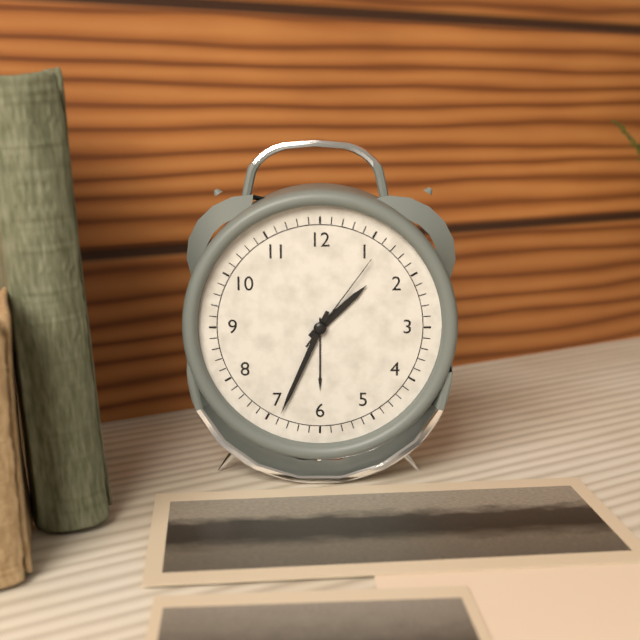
1.34.06
